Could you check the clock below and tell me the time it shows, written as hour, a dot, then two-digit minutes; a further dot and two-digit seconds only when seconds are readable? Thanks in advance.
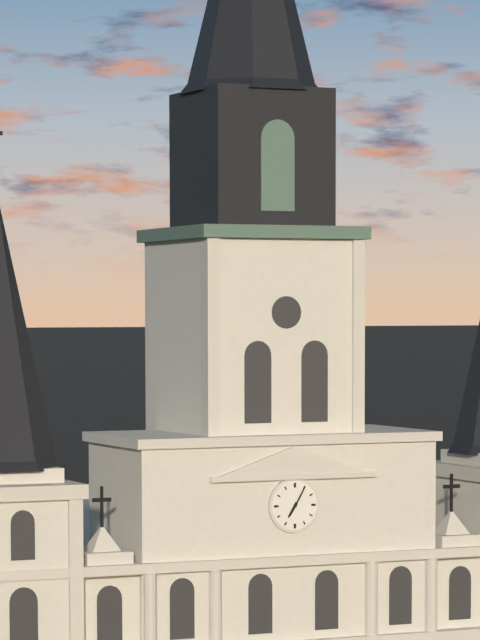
7.05
